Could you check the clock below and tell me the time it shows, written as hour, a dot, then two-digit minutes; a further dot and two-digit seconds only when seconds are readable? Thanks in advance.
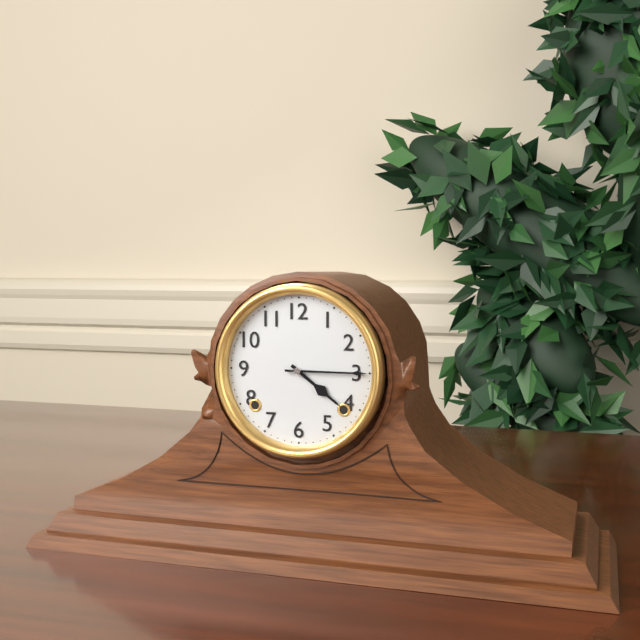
4.15
